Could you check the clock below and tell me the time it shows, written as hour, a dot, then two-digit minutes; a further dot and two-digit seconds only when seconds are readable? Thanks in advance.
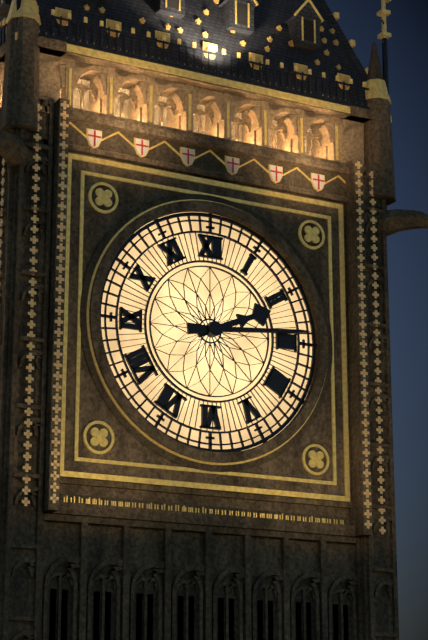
2.14
